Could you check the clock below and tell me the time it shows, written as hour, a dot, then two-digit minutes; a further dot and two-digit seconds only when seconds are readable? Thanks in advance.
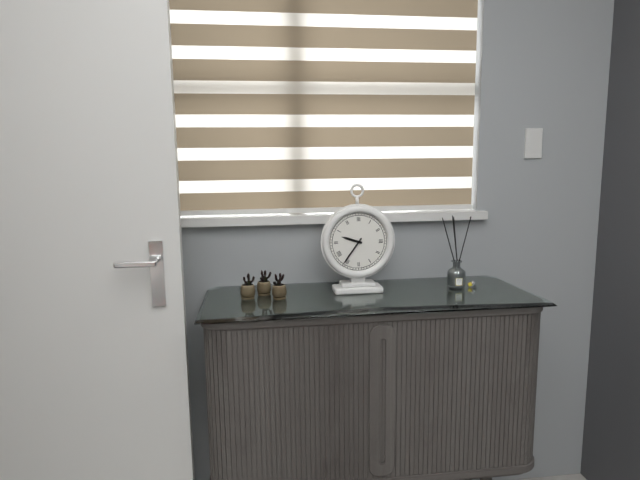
9.36
